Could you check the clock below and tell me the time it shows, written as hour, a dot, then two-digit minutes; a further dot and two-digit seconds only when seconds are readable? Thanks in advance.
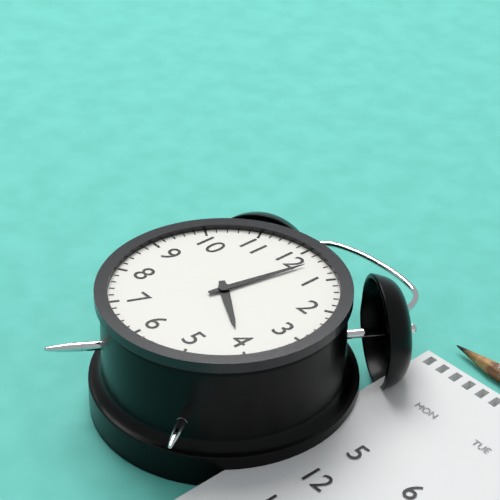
4.02
